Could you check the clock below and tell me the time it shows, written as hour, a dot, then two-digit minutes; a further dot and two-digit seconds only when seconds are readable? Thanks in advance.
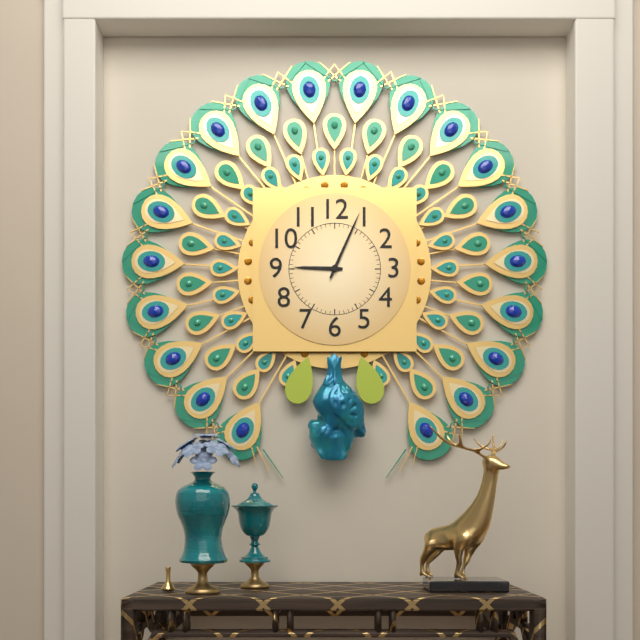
9.04
